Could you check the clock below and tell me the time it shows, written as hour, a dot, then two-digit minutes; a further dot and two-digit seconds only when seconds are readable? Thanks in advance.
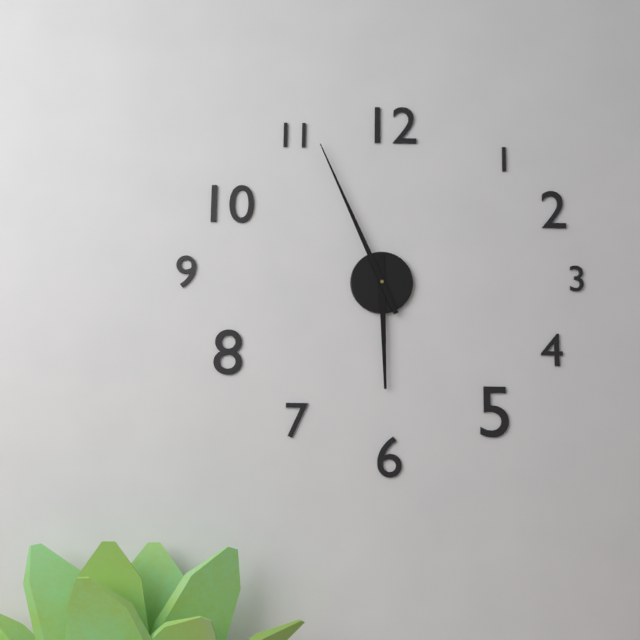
5.56
